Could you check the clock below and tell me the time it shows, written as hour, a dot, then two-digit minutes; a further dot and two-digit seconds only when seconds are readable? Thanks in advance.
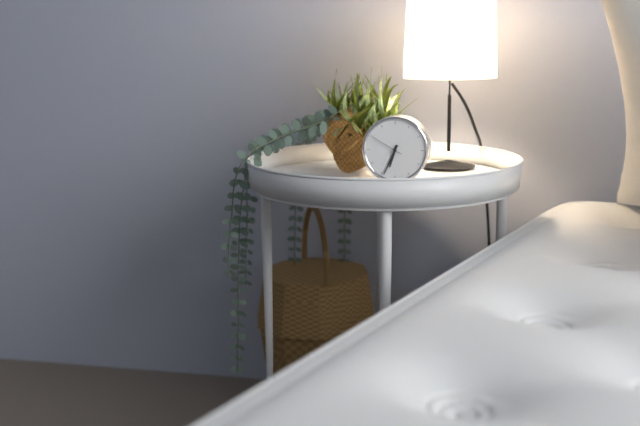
6.34
